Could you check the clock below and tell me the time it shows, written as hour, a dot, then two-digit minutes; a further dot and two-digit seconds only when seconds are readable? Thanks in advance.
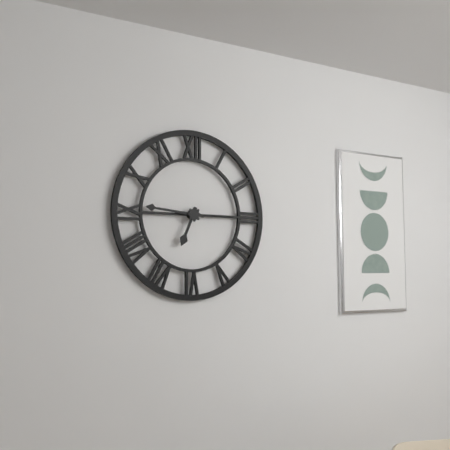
6.46.15
